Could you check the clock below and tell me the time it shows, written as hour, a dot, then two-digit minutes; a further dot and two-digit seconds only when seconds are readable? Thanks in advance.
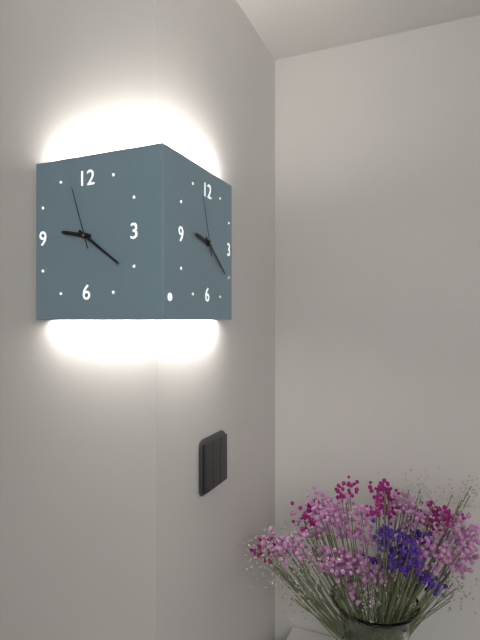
9.21.57
